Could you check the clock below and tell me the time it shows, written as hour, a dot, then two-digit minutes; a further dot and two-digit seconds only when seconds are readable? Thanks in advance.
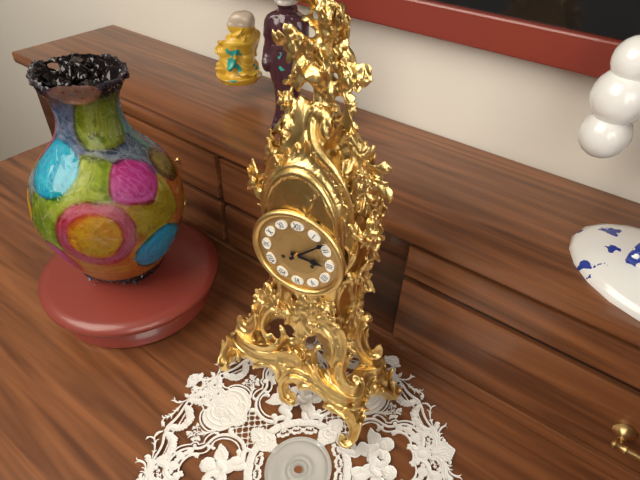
3.08
